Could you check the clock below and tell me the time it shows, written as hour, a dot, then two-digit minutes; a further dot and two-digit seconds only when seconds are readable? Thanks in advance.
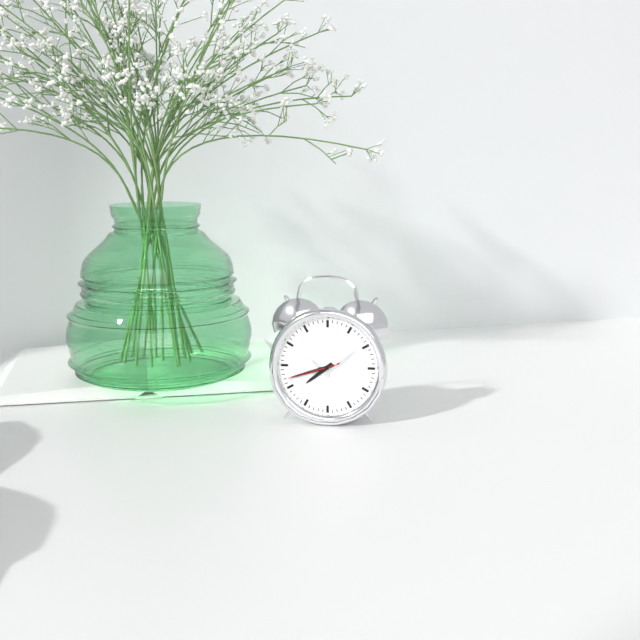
7.42.42
